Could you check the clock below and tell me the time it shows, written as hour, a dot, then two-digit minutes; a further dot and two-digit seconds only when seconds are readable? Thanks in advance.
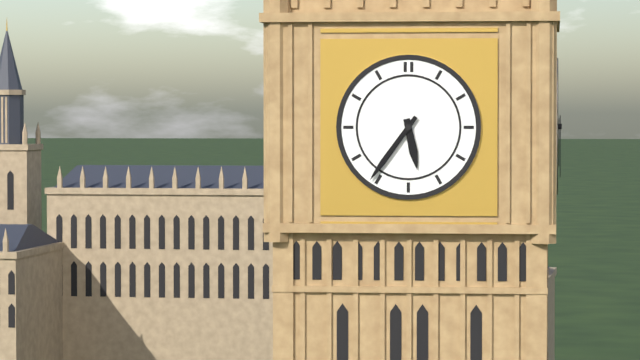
5.36
